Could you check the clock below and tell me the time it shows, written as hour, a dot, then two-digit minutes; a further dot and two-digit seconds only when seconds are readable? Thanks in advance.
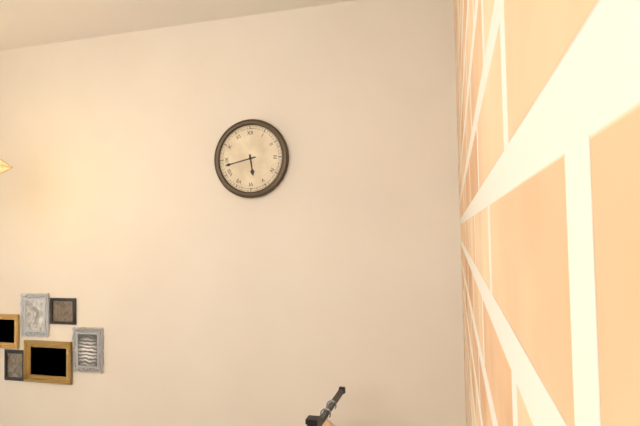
5.43
